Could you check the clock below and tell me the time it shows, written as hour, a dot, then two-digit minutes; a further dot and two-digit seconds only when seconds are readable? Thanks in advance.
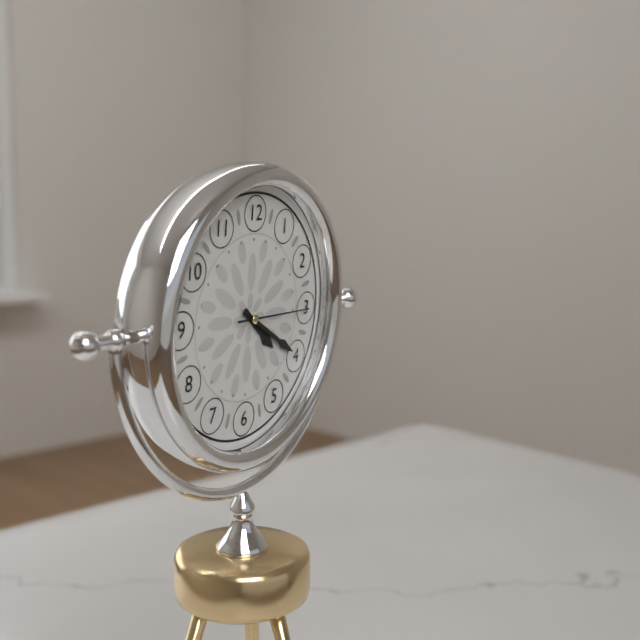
4.20.15
